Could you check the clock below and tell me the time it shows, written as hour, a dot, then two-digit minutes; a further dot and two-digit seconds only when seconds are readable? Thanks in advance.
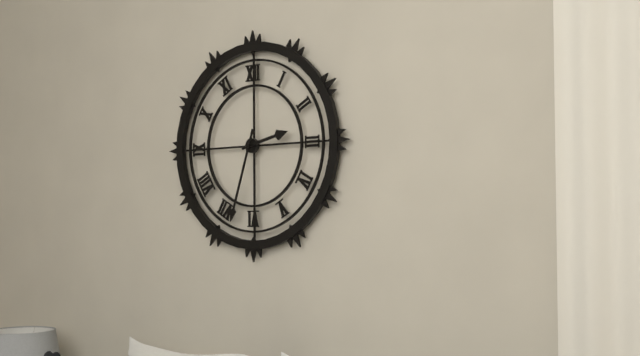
2.33
